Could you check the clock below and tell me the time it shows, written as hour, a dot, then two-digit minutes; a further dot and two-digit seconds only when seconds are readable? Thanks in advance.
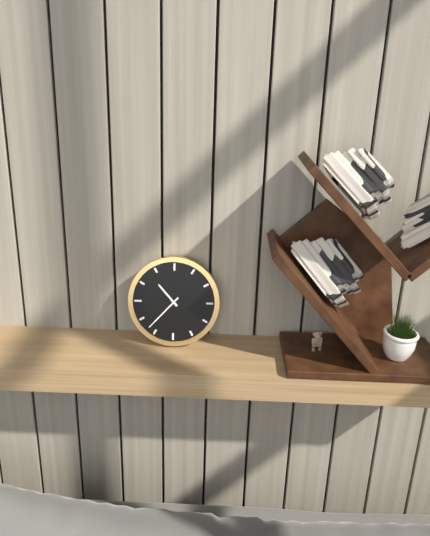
10.37
